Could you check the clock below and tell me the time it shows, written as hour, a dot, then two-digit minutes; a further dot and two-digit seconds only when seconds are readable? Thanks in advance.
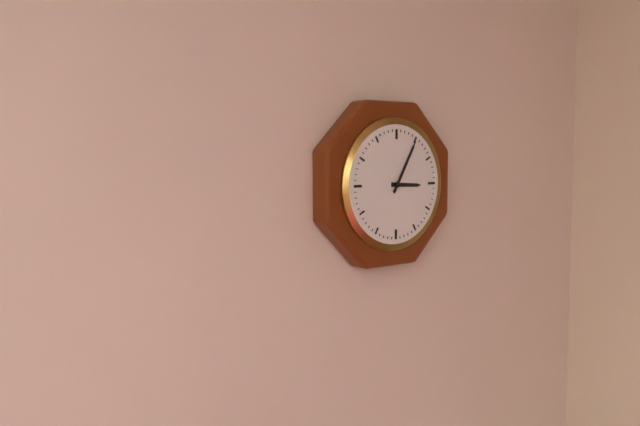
3.05
